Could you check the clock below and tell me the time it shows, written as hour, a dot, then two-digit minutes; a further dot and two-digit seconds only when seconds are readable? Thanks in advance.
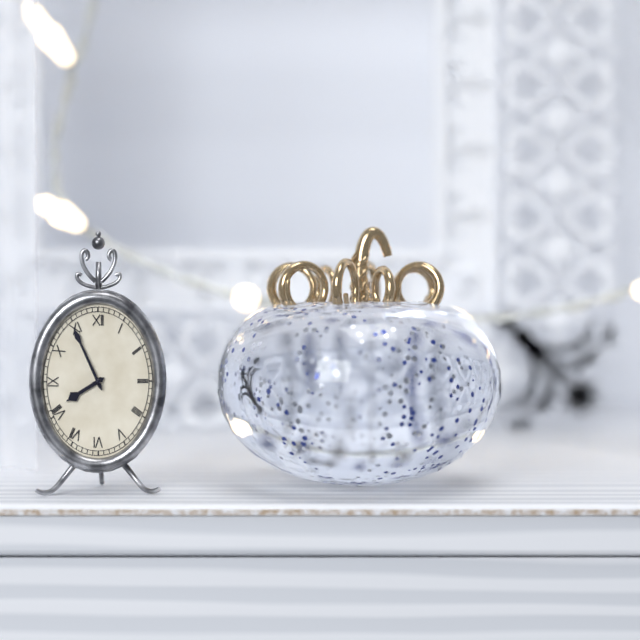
7.56
